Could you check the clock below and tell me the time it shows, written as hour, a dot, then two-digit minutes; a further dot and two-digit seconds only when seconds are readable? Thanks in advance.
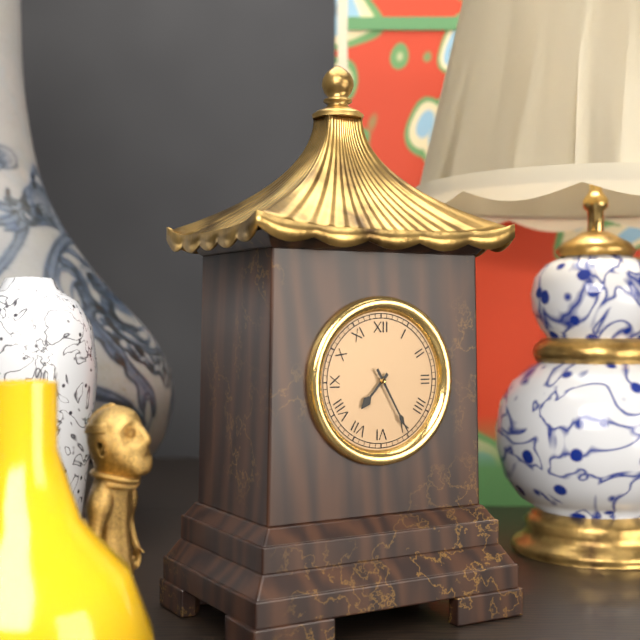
7.25
